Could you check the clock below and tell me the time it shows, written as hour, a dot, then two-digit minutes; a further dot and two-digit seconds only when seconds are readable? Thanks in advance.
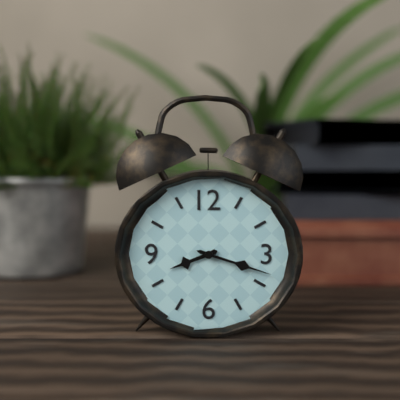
8.18
